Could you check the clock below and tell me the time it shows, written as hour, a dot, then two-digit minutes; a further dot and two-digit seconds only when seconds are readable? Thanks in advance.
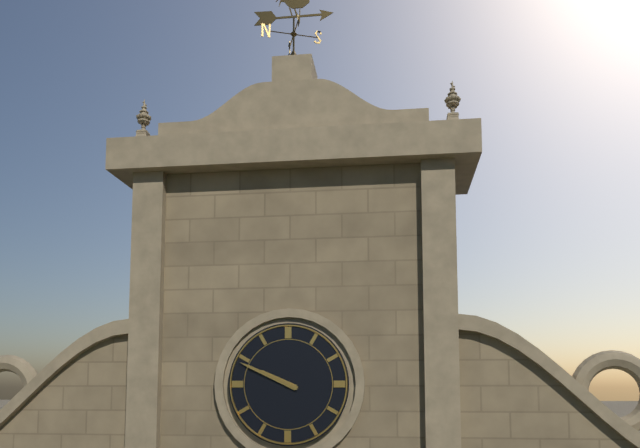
9.49
